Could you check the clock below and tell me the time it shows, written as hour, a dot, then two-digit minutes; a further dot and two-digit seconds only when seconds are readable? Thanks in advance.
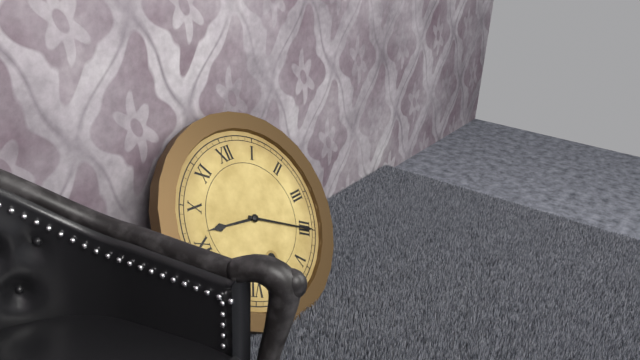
9.20
